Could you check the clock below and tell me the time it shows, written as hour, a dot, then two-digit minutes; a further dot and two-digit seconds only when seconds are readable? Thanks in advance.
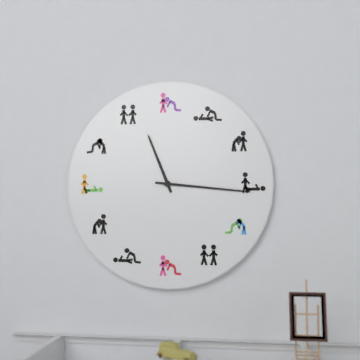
11.16
